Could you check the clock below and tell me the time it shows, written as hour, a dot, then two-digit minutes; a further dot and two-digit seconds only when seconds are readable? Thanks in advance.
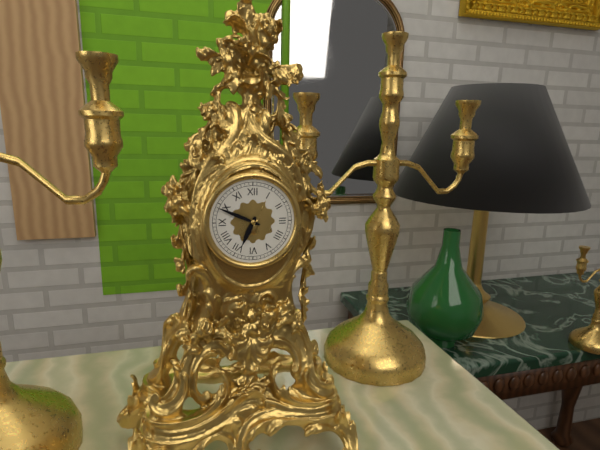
6.49
